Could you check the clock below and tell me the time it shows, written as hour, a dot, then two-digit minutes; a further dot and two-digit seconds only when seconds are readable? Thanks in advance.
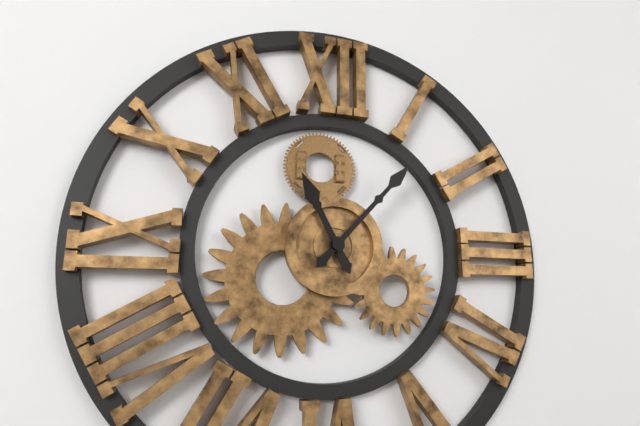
11.07
